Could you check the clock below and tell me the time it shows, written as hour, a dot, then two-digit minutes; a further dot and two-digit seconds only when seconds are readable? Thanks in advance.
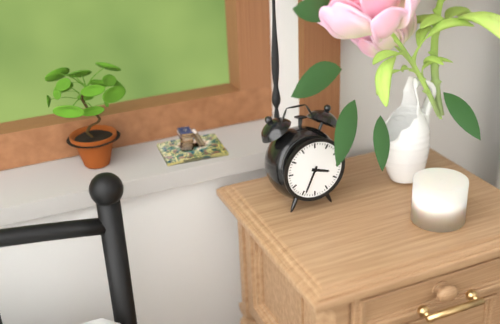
3.34
